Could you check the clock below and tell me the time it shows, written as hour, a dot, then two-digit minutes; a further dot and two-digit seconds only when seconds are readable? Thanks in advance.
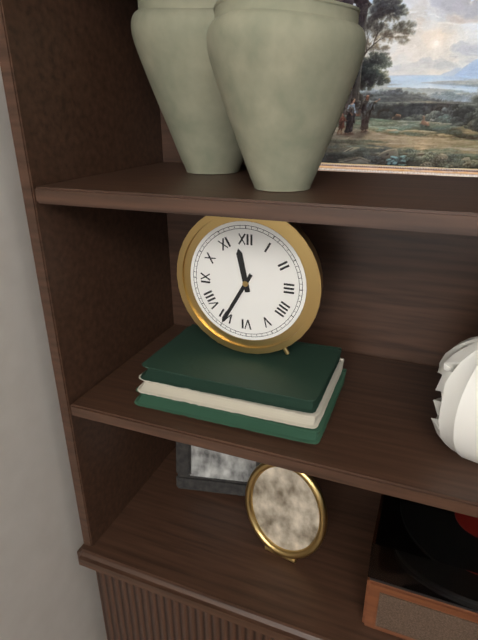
11.35
